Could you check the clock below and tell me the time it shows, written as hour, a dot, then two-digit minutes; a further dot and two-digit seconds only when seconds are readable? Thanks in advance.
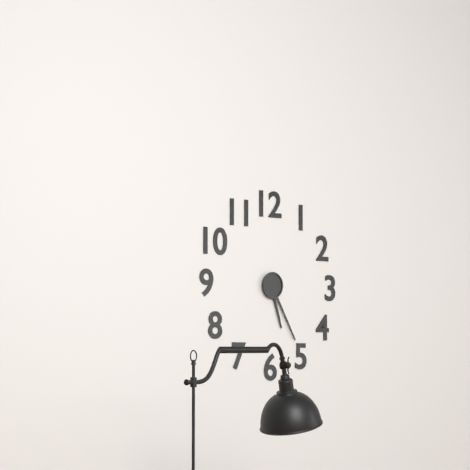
5.25
